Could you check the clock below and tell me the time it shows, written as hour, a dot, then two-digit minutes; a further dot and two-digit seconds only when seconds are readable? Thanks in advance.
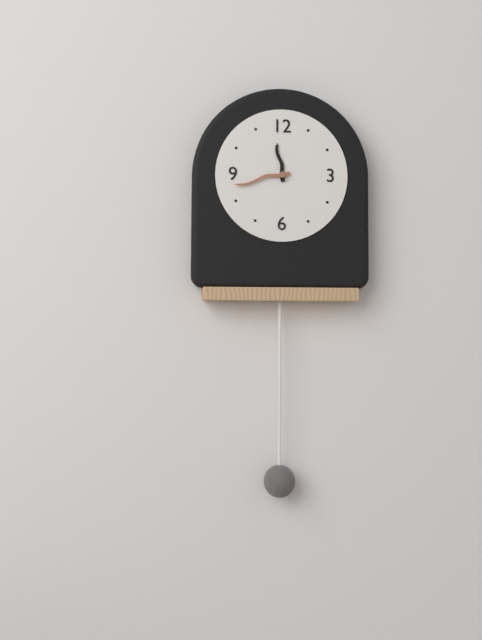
11.43
